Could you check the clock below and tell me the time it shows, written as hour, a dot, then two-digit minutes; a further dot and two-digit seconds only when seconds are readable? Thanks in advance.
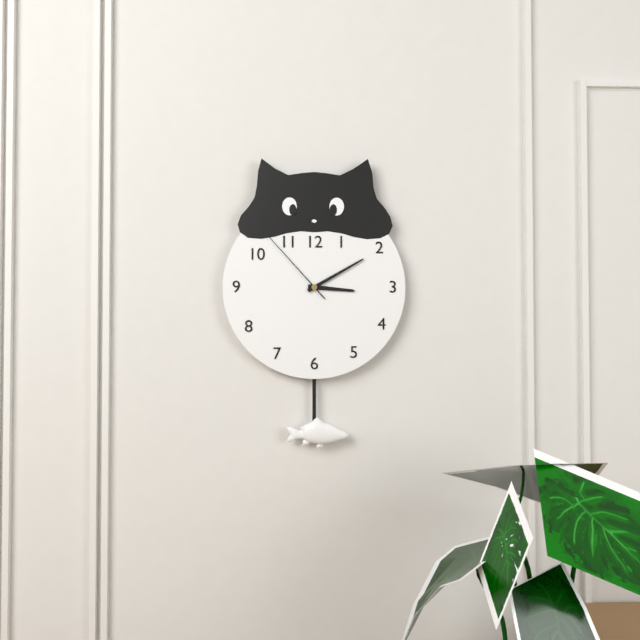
3.10.53
